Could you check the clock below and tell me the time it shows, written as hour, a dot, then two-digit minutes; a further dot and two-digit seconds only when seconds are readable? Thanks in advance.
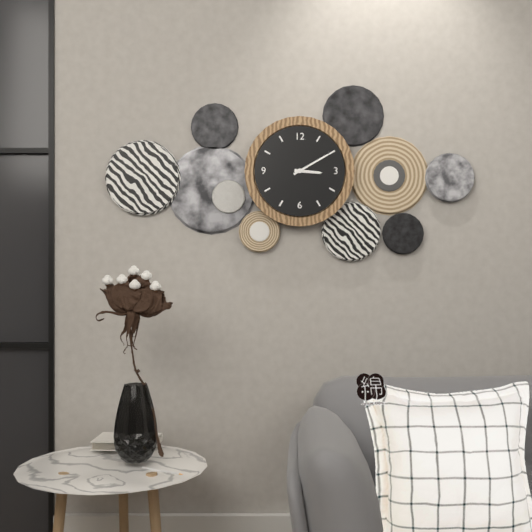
3.10
